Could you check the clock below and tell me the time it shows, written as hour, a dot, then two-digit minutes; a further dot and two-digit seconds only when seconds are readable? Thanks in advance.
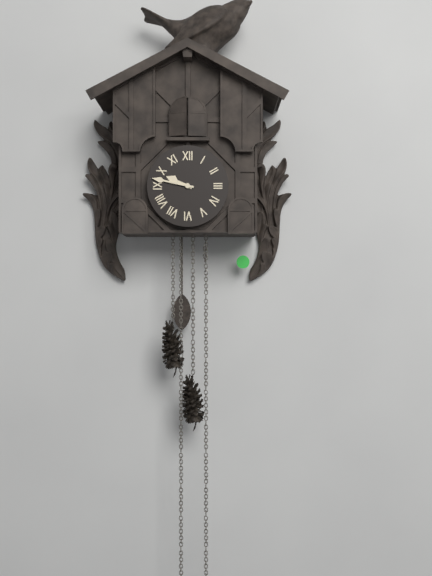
9.47
